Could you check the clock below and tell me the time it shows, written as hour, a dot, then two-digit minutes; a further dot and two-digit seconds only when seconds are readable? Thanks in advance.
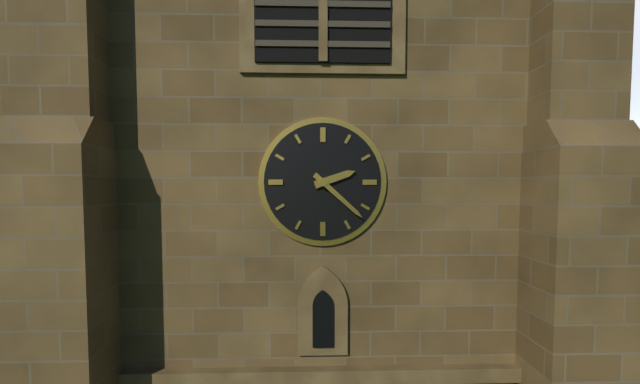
2.22
